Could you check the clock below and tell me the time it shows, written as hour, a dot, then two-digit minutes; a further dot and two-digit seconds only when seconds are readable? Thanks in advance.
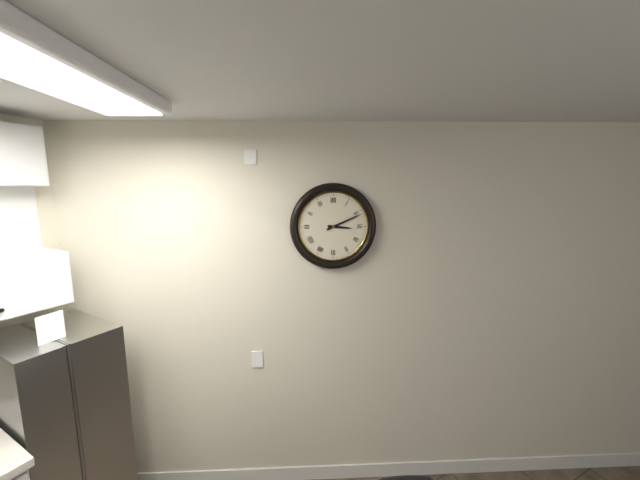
3.11
